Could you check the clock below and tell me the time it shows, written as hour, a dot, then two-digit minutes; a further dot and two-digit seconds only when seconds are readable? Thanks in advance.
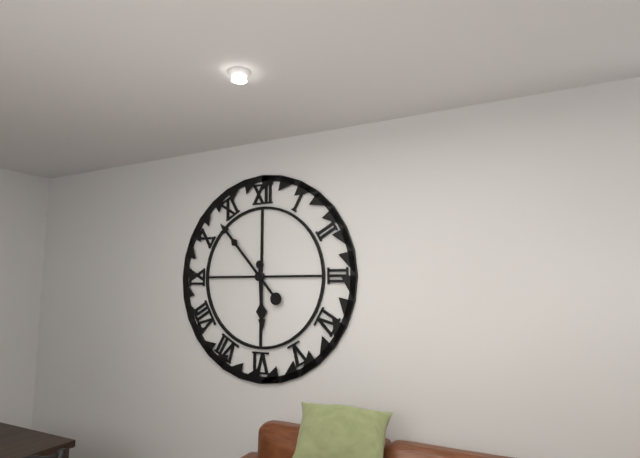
5.53
